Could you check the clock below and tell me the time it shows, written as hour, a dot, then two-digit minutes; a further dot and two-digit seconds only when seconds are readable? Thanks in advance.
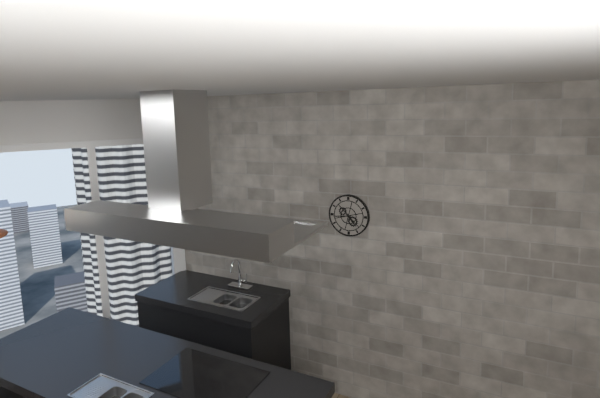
4.44
